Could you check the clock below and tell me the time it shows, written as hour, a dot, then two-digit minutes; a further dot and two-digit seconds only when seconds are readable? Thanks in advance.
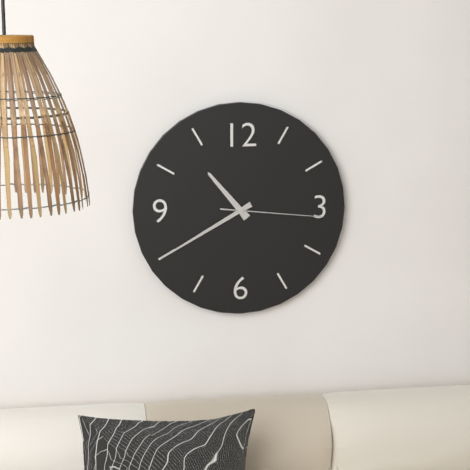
10.40.16
